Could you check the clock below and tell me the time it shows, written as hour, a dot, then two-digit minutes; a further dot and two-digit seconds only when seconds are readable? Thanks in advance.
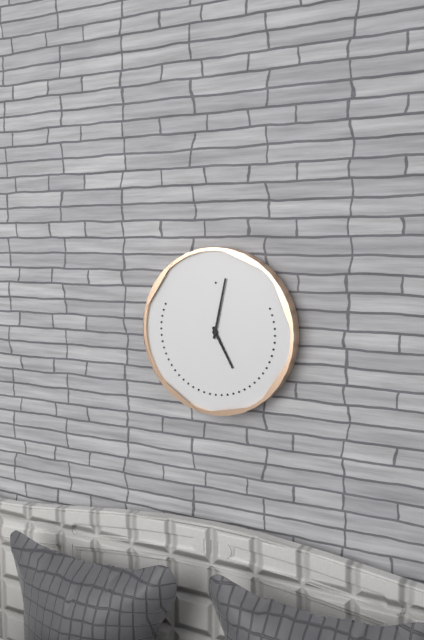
5.02
